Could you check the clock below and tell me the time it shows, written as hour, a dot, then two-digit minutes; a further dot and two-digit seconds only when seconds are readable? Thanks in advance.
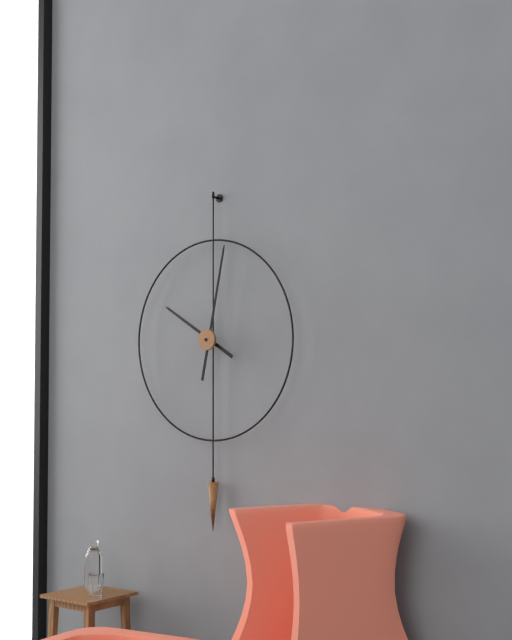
10.02
